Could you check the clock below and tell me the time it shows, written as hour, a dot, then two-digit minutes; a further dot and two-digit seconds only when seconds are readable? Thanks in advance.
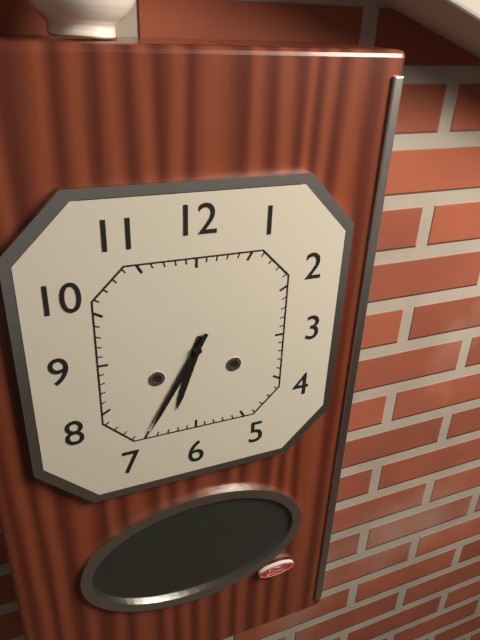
6.35
